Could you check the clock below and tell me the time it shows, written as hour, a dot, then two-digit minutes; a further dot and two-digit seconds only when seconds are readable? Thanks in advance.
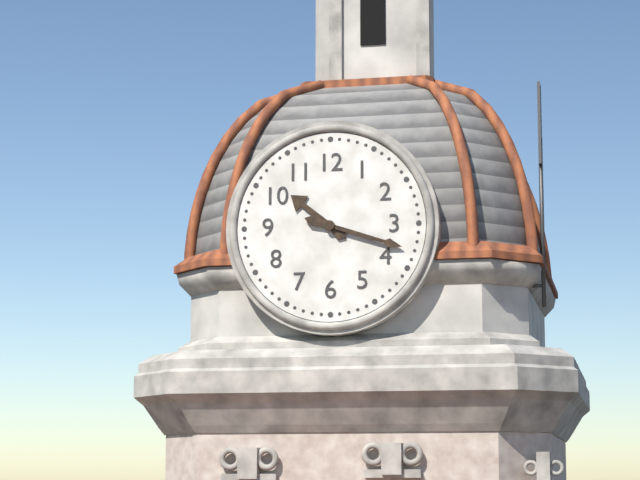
10.18
